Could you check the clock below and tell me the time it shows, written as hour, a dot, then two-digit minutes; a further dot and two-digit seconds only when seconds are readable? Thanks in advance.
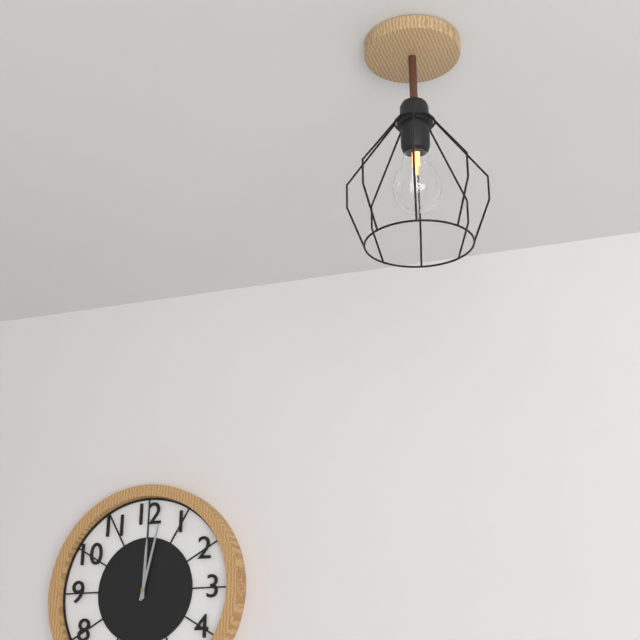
12.02
